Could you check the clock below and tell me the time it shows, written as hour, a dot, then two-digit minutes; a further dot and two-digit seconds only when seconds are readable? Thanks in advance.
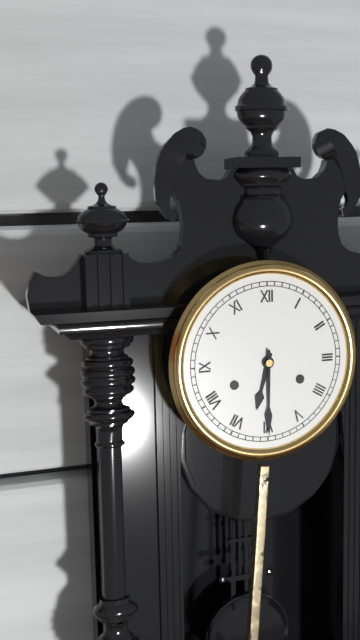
6.30
